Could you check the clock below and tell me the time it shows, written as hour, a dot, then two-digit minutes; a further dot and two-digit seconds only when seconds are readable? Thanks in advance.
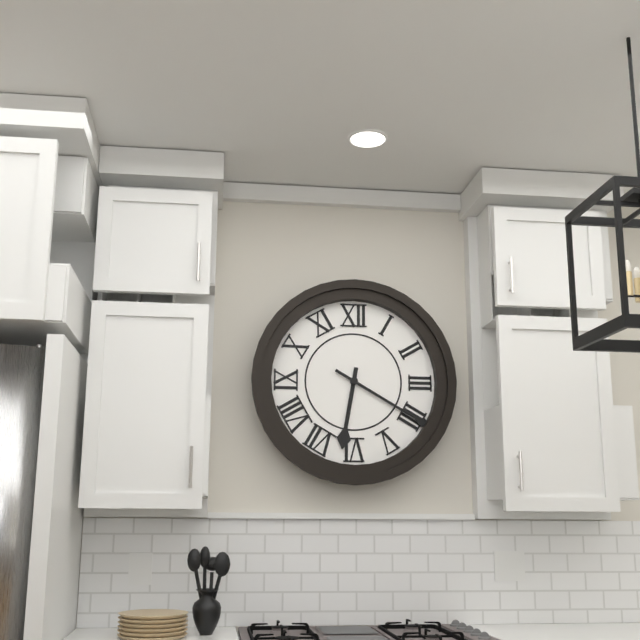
6.20
